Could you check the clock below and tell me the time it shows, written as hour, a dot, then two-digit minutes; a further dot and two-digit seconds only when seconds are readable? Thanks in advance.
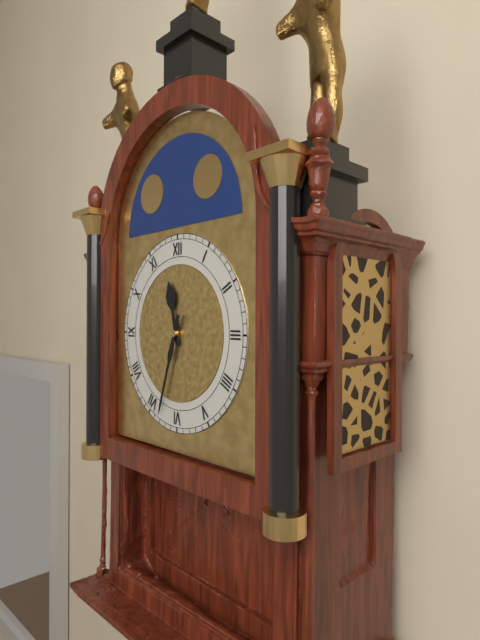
11.33
